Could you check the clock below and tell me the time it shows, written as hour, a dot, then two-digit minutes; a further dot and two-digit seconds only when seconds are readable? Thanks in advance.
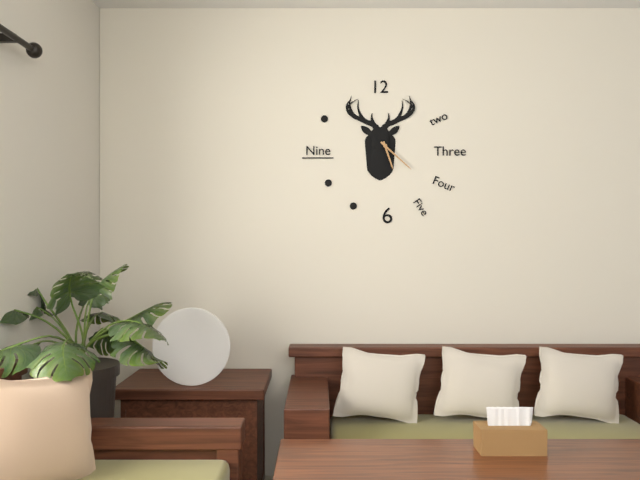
5.22
